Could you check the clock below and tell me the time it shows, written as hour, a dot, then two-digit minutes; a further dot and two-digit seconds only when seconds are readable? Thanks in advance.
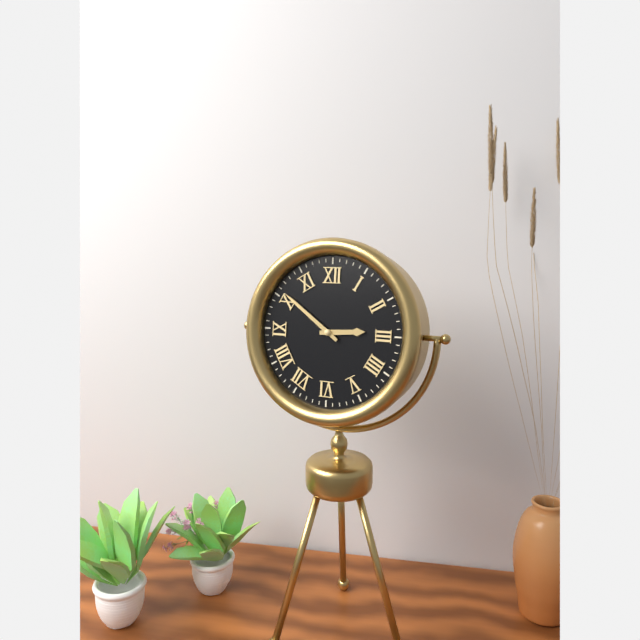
2.51
